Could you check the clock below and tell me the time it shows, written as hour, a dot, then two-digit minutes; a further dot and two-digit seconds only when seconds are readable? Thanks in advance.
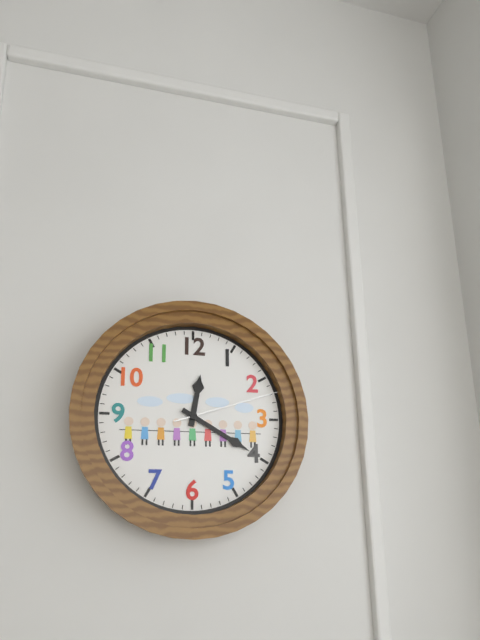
12.20.12
